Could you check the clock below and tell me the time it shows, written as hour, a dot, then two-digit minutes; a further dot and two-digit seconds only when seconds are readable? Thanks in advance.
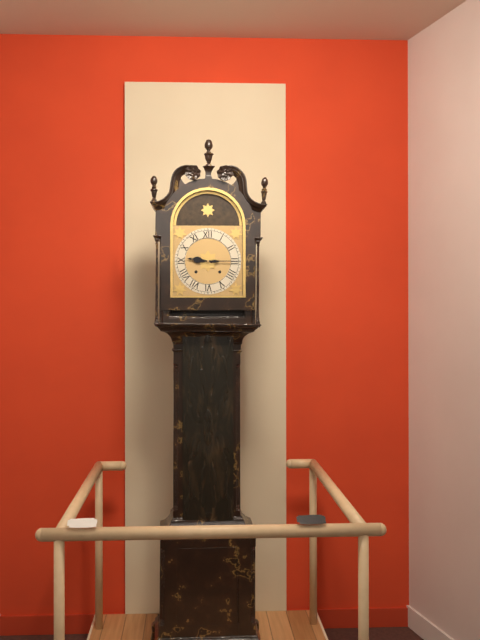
9.15
